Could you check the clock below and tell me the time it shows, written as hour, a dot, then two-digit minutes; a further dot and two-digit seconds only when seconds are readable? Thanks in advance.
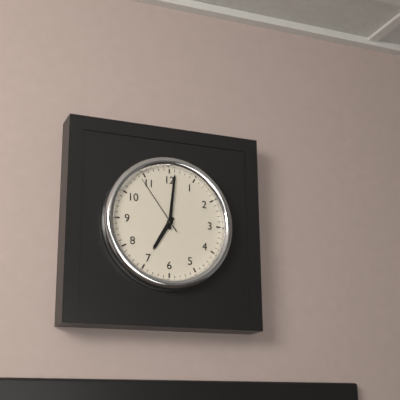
7.01.54
